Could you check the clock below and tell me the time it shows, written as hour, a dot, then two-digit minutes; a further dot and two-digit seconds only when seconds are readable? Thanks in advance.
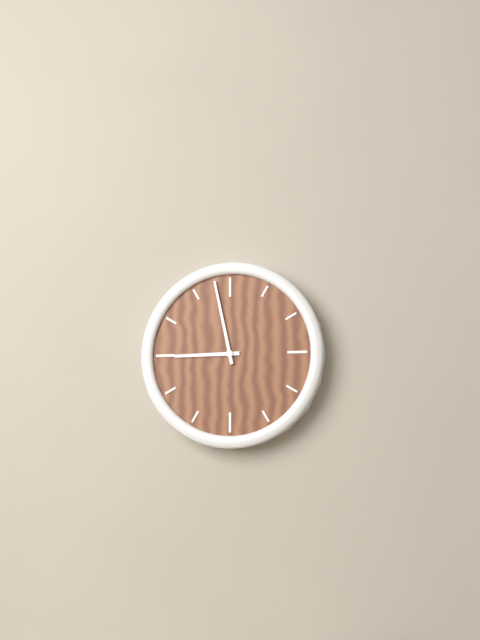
8.58
